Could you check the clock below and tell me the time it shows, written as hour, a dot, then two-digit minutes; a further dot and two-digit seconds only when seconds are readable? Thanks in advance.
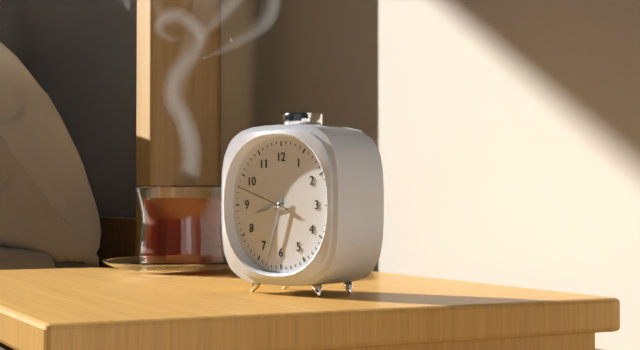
8.33.48
